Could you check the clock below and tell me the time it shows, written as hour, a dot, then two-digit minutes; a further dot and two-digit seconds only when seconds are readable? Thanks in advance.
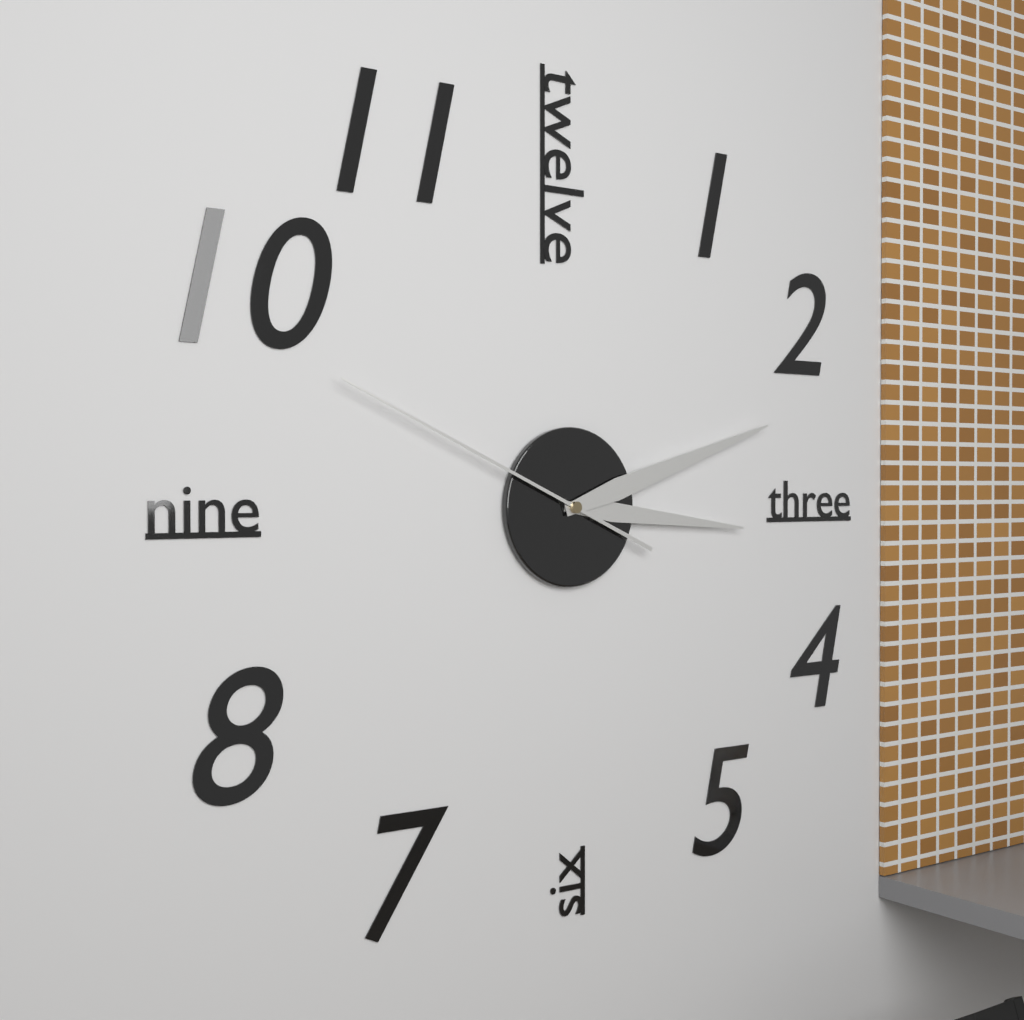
3.12.49
